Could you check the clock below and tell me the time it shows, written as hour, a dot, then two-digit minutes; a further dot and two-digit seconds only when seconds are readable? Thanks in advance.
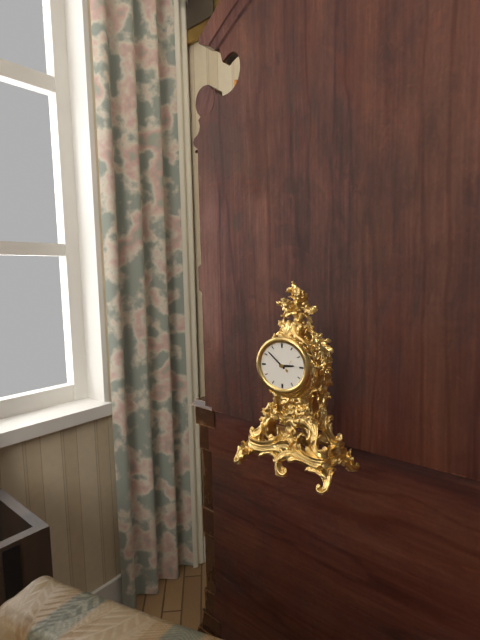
2.52
